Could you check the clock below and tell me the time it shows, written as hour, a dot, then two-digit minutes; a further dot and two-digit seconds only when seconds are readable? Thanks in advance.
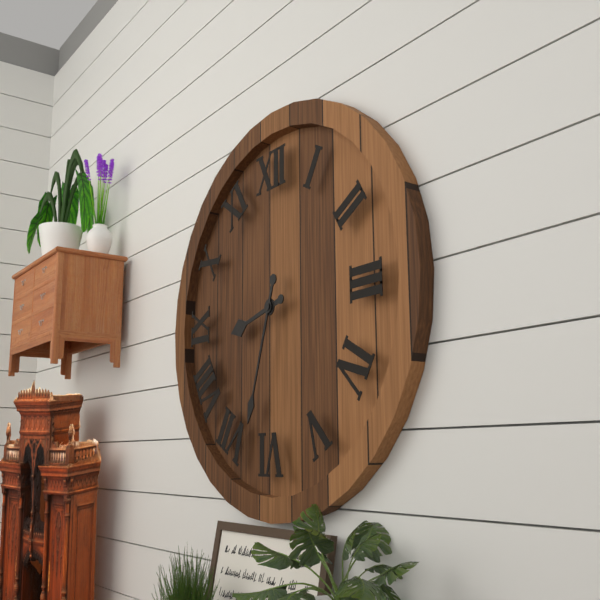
8.33
